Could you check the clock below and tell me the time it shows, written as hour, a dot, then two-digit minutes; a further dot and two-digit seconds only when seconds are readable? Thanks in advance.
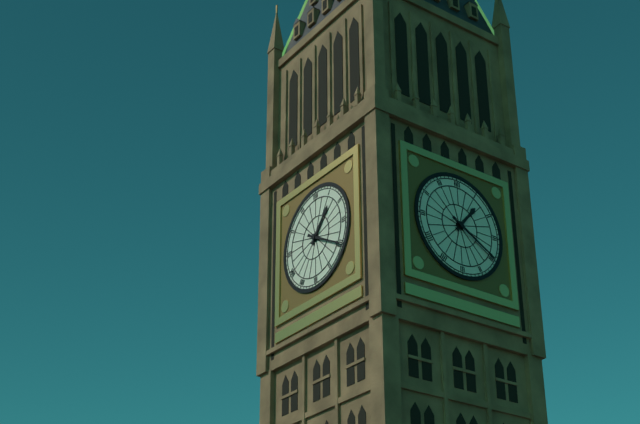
1.20
